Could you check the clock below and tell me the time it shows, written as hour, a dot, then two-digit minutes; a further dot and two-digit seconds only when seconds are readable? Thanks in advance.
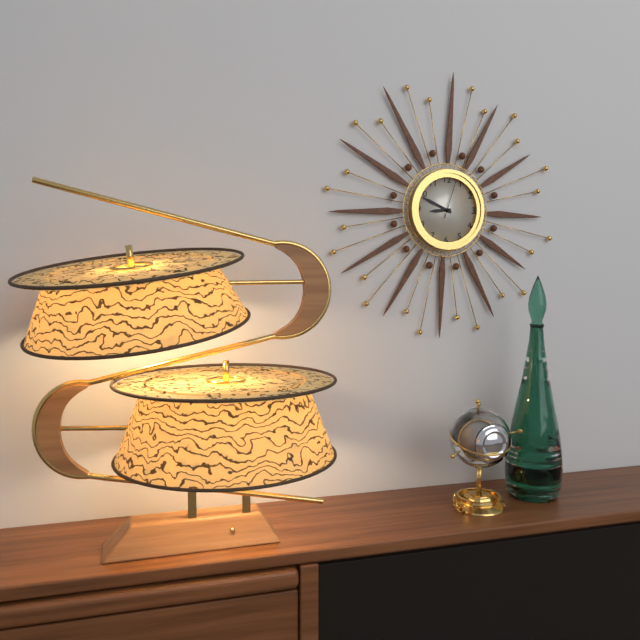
8.49
